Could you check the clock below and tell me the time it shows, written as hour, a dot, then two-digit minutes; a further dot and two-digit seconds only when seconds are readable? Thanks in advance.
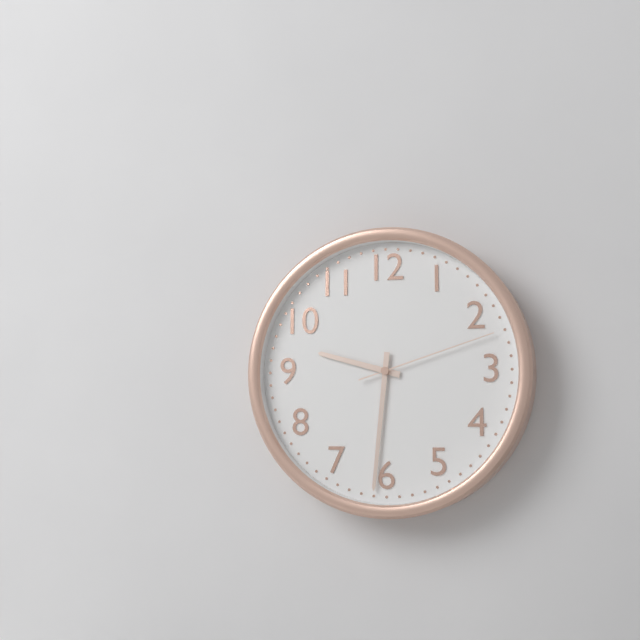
9.31.12
